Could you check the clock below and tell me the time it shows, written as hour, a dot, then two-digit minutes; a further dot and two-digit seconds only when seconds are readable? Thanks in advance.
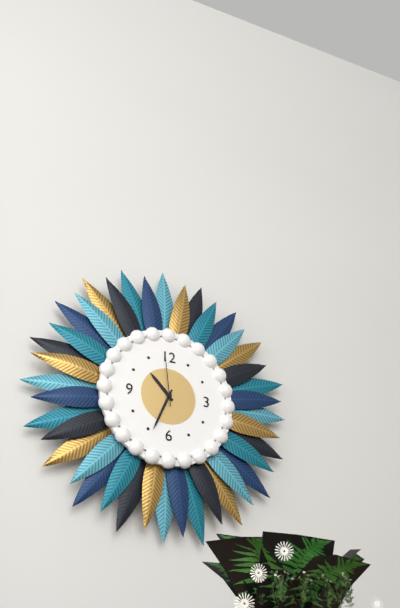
10.34.59
